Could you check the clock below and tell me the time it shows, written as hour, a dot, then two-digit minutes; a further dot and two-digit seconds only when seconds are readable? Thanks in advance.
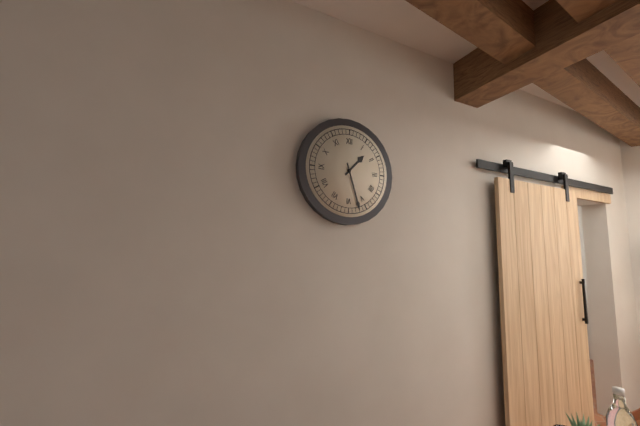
1.27
